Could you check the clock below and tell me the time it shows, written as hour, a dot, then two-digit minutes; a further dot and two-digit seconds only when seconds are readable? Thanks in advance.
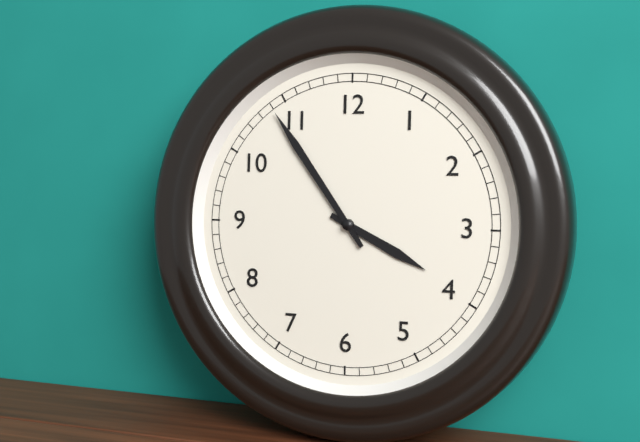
3.54
